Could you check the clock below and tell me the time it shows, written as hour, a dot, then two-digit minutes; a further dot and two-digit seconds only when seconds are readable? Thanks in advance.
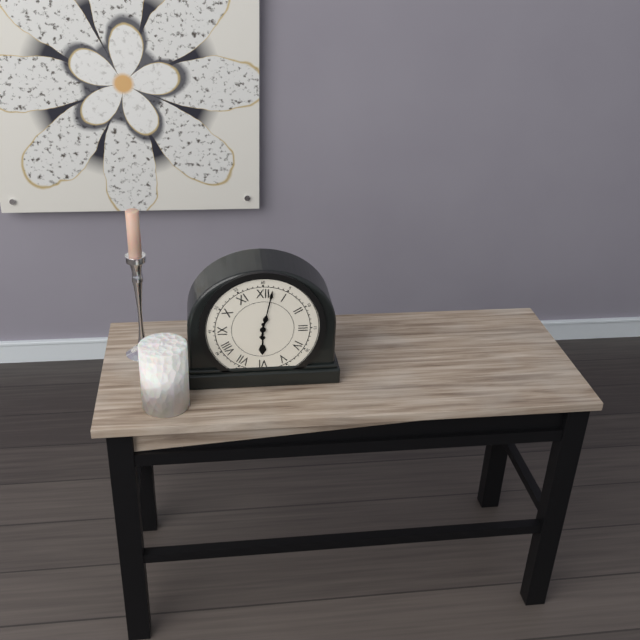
6.02
